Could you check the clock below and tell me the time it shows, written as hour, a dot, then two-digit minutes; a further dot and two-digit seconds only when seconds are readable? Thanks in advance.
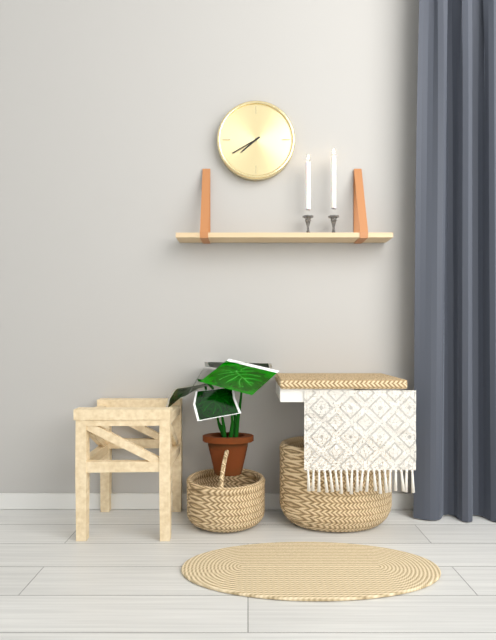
7.40
